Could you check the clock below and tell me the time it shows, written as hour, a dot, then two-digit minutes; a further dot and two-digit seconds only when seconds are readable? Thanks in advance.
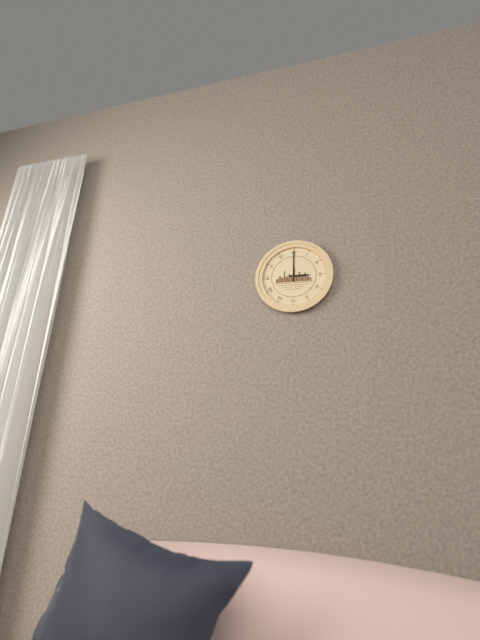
3.00
